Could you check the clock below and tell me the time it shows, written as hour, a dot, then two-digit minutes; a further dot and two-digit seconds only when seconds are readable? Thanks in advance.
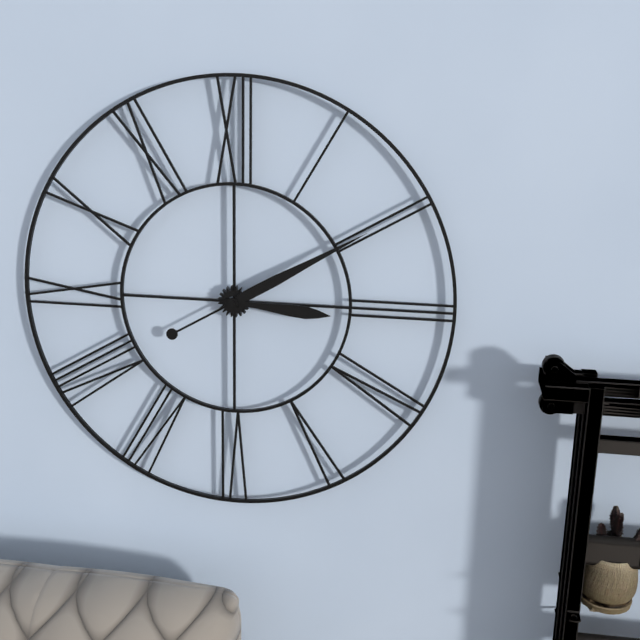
3.10
